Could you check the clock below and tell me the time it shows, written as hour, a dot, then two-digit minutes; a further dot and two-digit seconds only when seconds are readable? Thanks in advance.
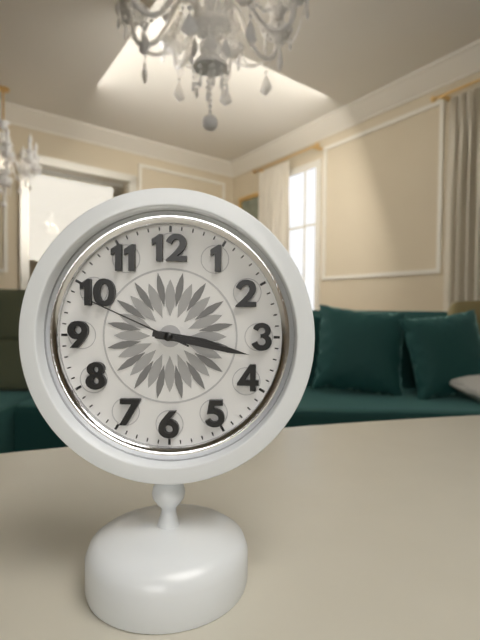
3.17.49
